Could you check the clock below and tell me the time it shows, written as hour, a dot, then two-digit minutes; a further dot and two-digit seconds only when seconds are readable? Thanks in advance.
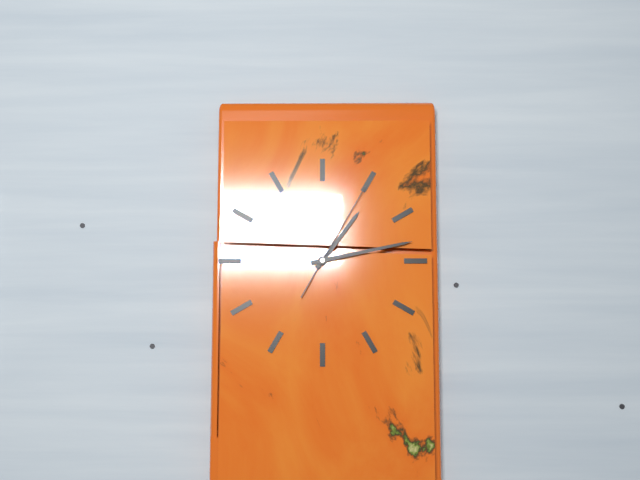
1.13.05
